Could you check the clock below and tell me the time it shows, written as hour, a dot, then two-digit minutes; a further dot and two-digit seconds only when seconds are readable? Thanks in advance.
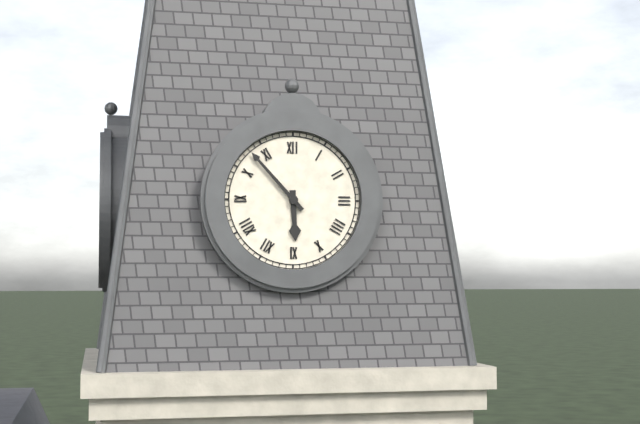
5.53
